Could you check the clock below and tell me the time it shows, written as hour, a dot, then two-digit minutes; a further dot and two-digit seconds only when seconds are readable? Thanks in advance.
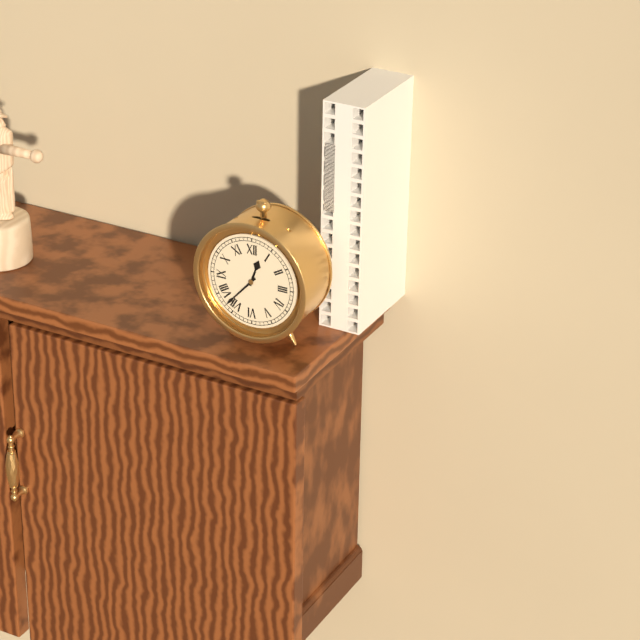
12.37
